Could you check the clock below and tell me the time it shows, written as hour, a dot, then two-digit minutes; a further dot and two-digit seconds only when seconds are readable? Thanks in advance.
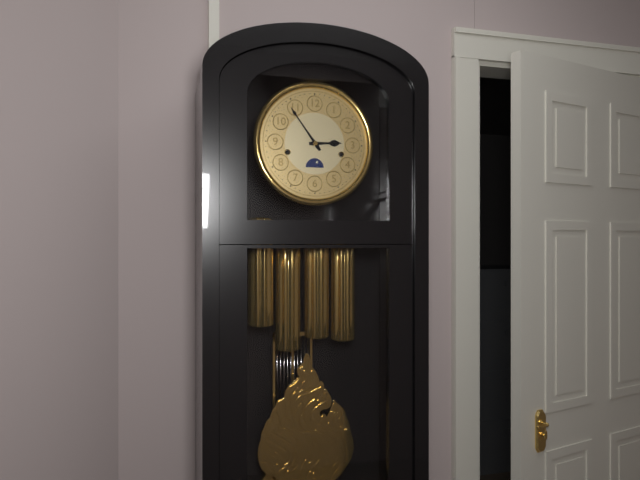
2.54
